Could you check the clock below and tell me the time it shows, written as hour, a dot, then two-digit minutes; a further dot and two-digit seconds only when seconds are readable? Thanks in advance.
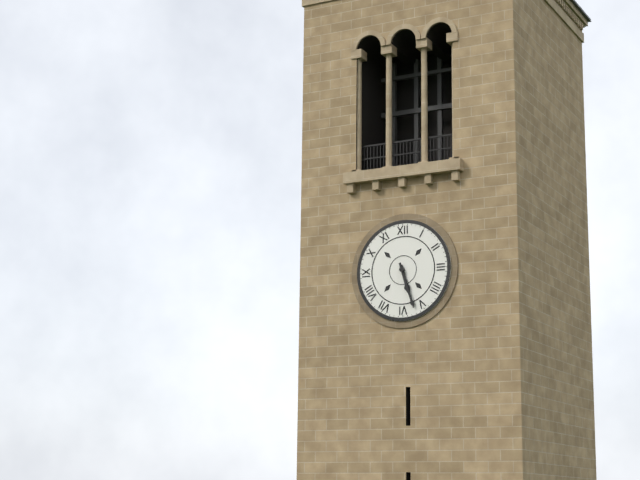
5.27
